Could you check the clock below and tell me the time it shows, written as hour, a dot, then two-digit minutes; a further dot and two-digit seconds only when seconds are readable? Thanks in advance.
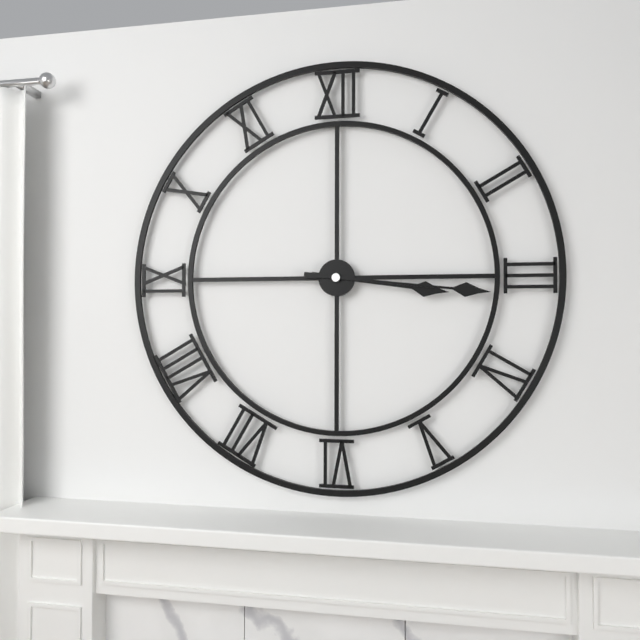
3.16
